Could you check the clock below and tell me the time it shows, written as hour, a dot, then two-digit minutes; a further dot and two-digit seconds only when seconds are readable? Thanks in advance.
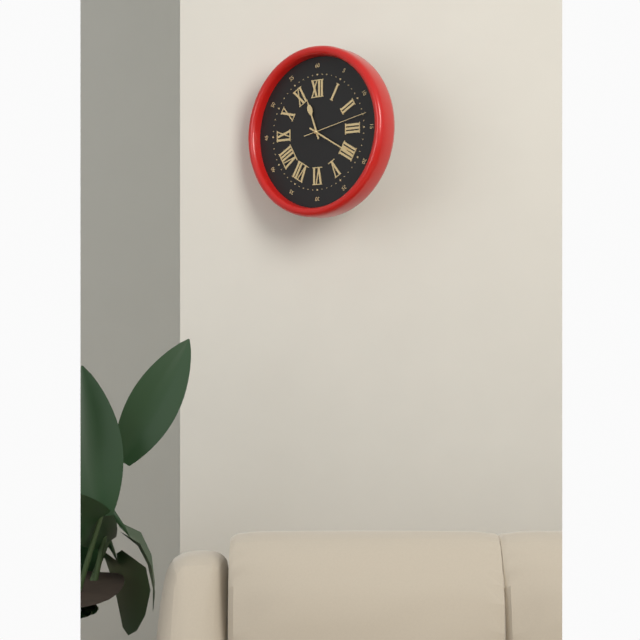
11.20.13
